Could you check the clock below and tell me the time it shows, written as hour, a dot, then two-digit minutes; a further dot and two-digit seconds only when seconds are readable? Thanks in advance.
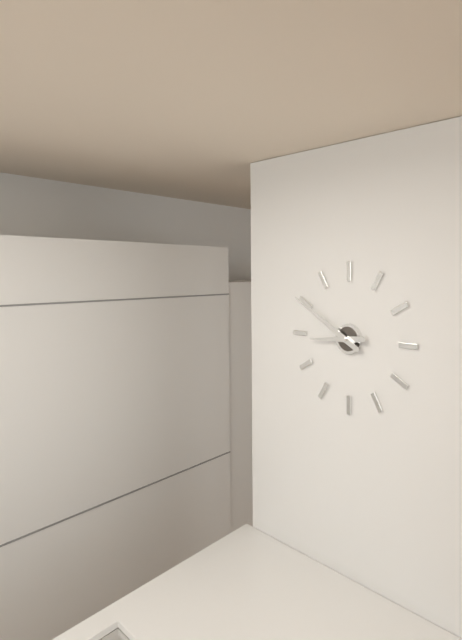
8.50
